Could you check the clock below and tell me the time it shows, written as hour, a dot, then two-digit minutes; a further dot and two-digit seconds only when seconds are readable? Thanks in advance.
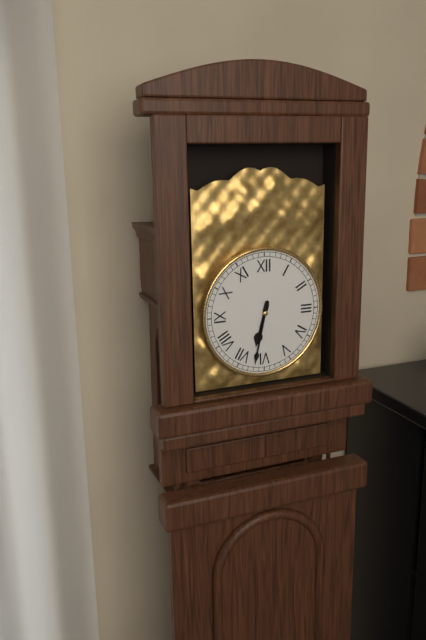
6.32
